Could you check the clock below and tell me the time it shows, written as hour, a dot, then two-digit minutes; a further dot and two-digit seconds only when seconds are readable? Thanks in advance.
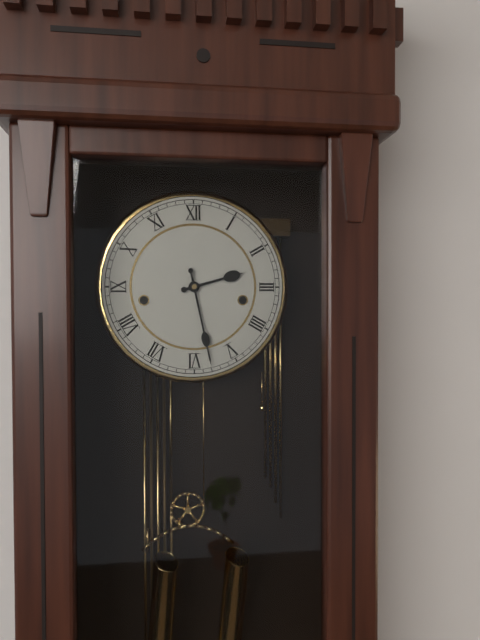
2.28
